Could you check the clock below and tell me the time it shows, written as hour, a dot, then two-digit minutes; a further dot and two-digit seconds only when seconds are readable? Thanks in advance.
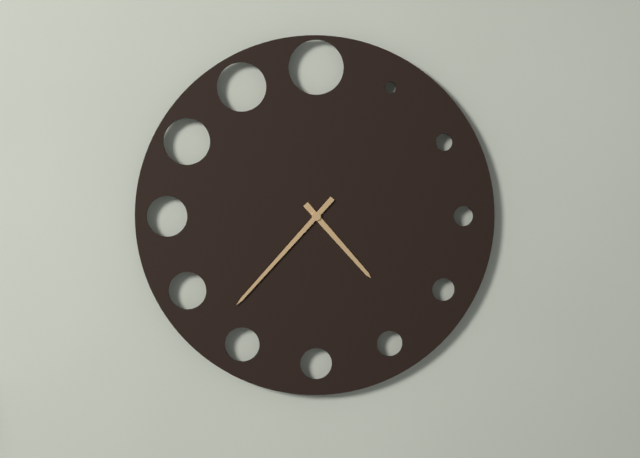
4.37
